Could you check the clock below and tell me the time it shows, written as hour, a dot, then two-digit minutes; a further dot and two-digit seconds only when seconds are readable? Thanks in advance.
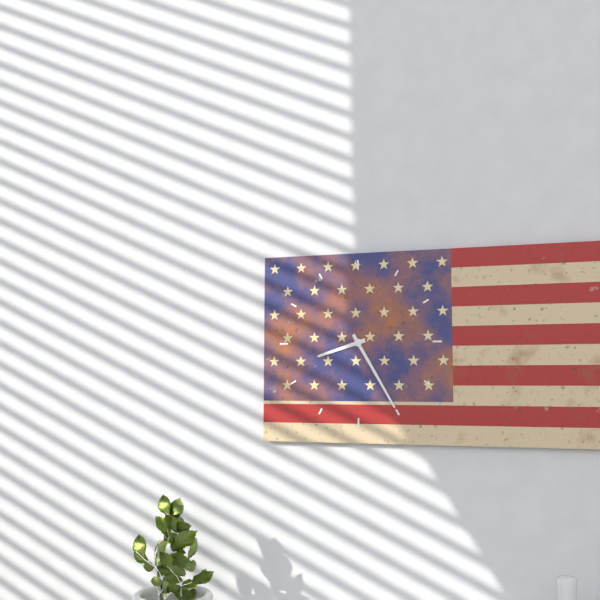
8.25
